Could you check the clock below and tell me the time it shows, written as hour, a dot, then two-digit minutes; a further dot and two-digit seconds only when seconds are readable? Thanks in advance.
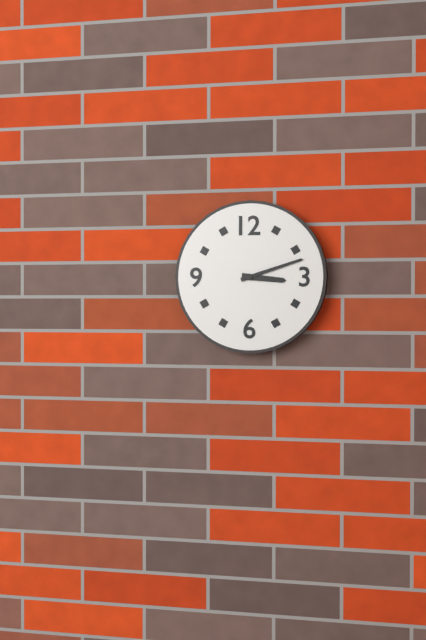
3.12
